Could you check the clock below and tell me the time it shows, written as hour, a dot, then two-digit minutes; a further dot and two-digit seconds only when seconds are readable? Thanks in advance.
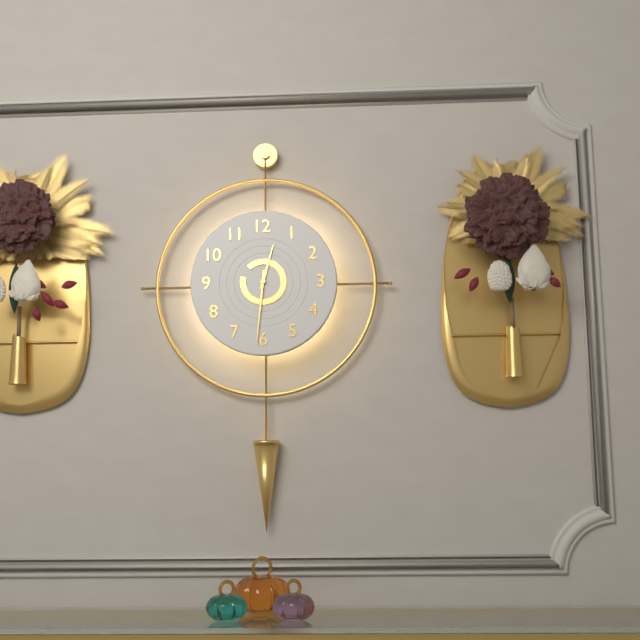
12.31
